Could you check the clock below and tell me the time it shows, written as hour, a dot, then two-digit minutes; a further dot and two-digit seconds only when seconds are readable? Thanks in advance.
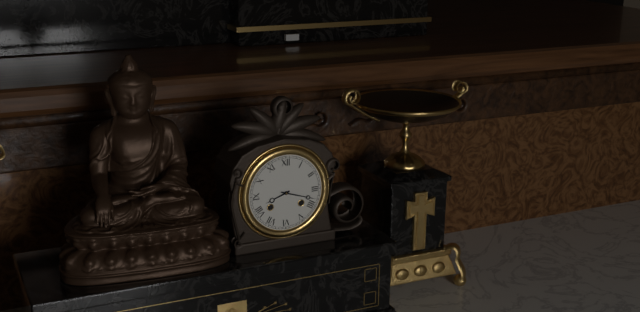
8.18
